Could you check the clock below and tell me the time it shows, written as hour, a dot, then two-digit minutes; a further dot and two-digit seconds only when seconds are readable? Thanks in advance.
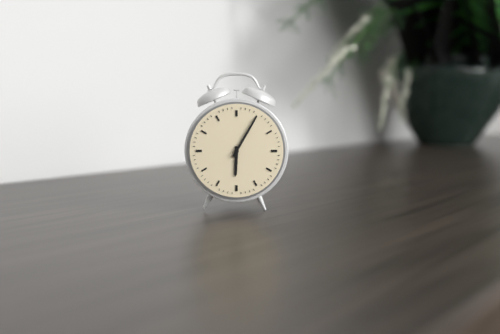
6.05
